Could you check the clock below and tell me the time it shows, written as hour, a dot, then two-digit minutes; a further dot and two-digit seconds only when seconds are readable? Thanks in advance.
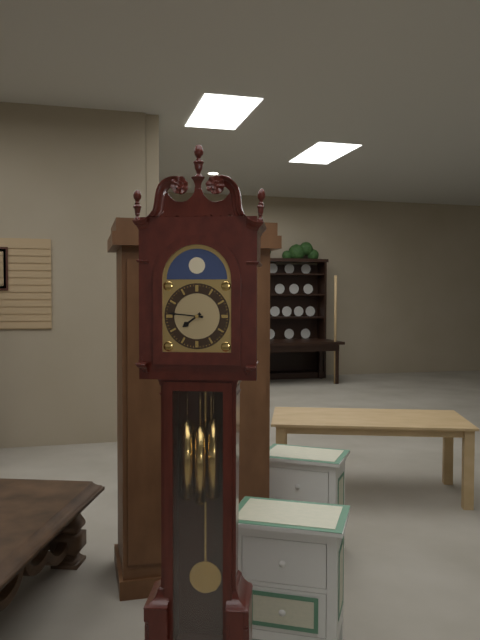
7.46
